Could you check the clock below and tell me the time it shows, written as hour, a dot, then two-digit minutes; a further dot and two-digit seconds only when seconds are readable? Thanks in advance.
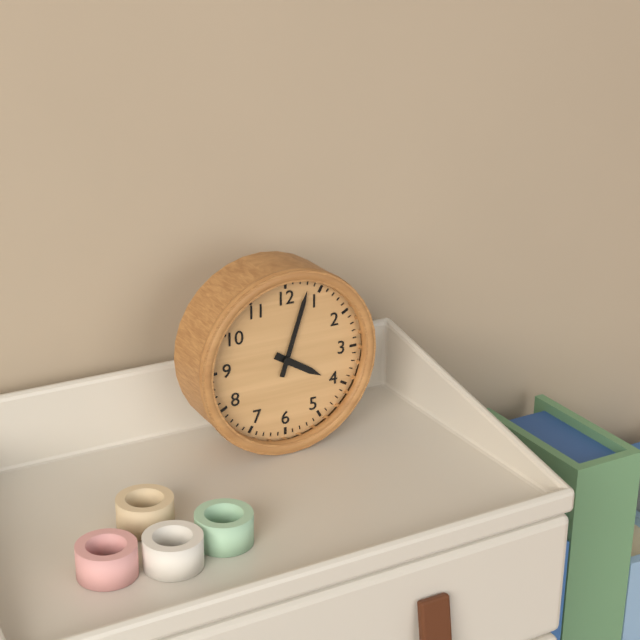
4.03
